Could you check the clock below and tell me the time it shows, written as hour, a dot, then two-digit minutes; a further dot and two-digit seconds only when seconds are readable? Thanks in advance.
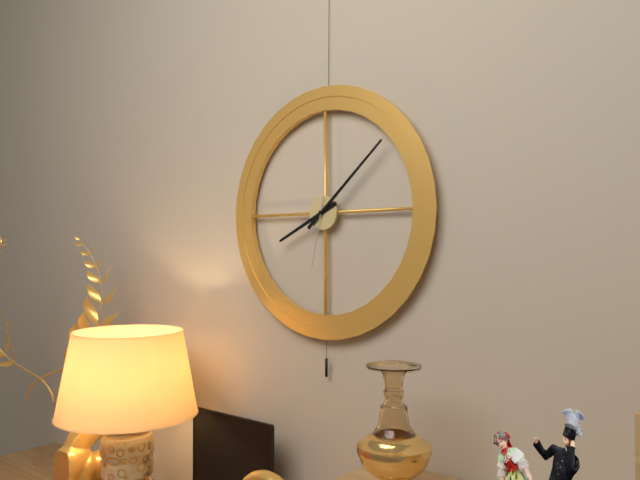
8.08.32
